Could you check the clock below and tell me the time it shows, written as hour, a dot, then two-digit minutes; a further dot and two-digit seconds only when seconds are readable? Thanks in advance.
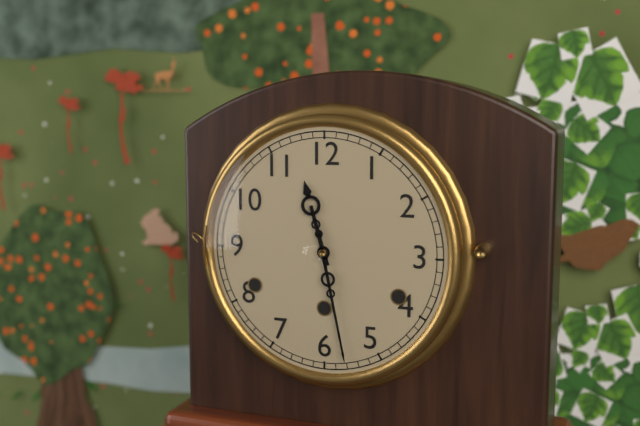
11.28
